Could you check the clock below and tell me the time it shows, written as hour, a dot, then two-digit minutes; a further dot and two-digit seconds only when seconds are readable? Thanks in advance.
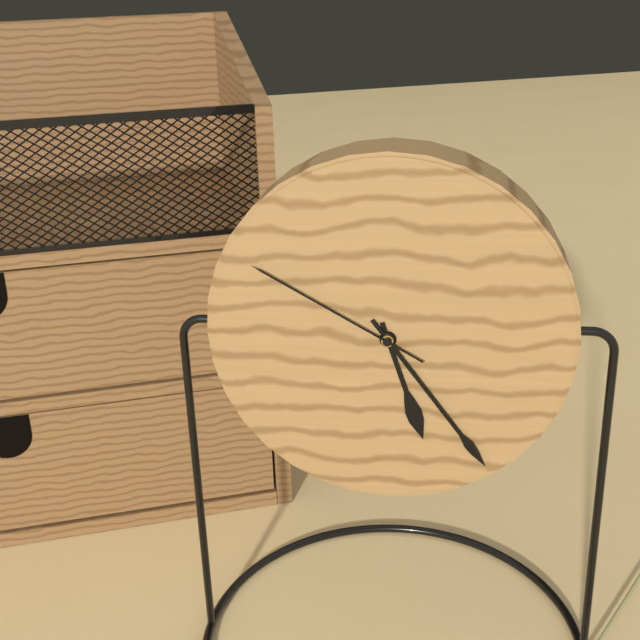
5.24.50
